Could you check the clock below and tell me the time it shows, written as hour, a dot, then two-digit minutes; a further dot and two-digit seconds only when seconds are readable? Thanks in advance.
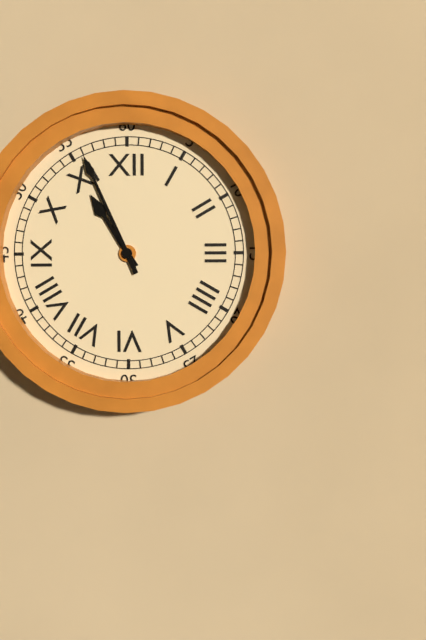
10.56
